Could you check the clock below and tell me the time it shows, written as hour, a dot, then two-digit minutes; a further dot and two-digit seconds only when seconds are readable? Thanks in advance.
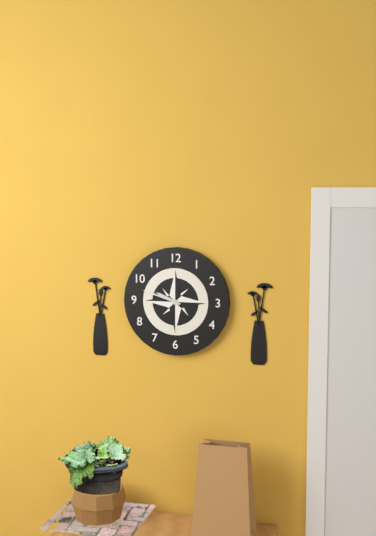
9.48
